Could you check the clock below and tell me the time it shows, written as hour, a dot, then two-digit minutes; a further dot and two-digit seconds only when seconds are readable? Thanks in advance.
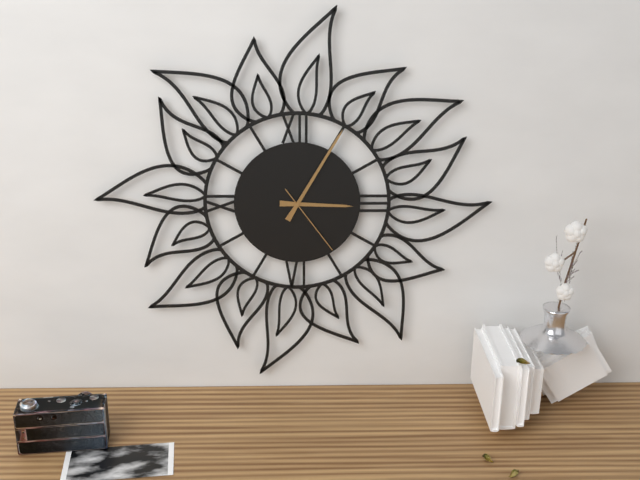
3.05.24
